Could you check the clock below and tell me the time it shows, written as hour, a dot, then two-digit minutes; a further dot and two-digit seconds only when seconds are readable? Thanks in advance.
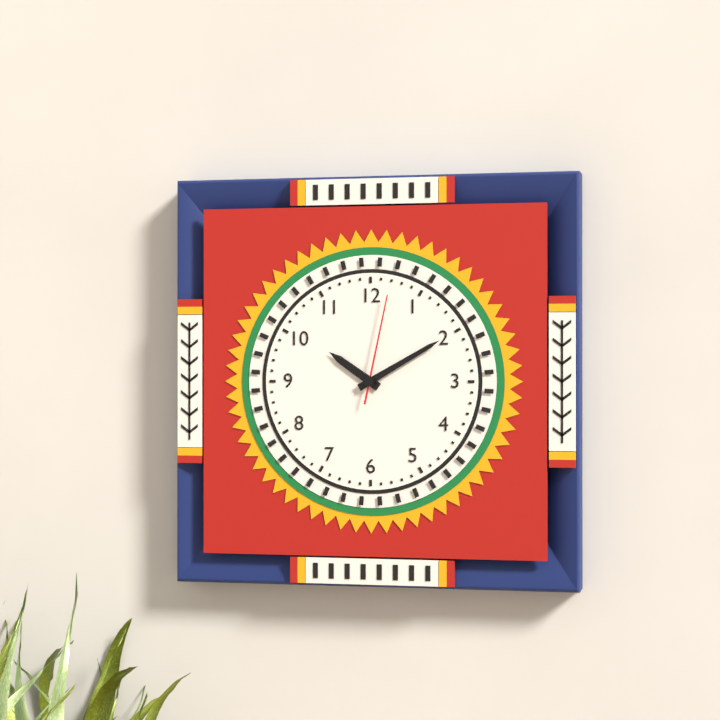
10.10.02
